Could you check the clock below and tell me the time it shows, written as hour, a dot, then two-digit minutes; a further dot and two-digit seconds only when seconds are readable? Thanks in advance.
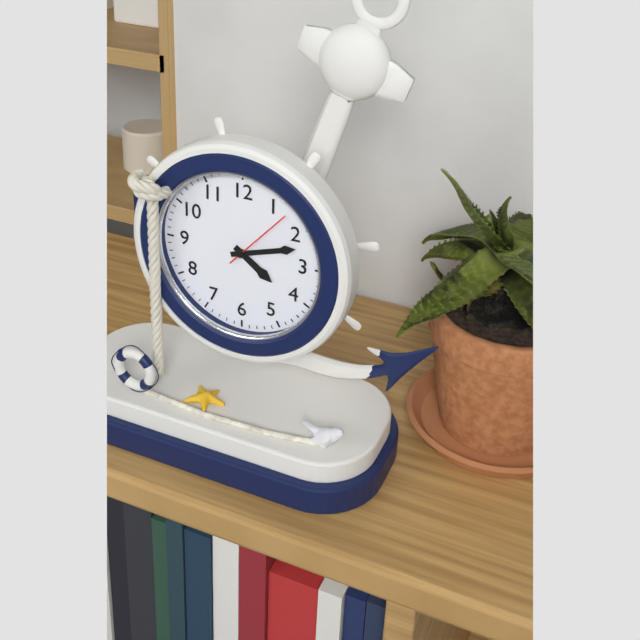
4.12.07
